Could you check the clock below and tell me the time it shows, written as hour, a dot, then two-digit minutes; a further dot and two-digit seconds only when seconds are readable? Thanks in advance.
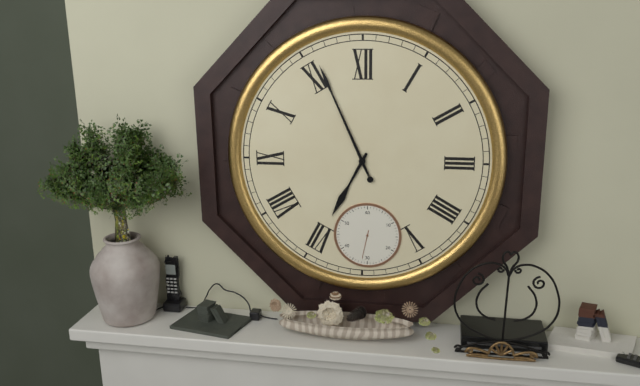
6.56
